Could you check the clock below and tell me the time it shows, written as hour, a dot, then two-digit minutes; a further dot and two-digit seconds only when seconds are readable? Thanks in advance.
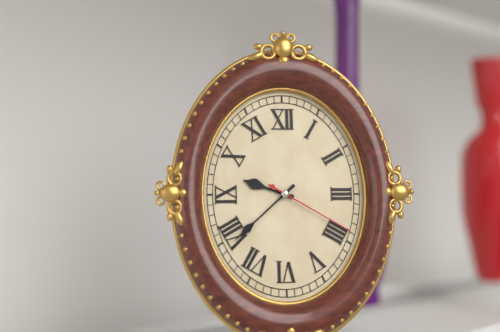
9.38.20
